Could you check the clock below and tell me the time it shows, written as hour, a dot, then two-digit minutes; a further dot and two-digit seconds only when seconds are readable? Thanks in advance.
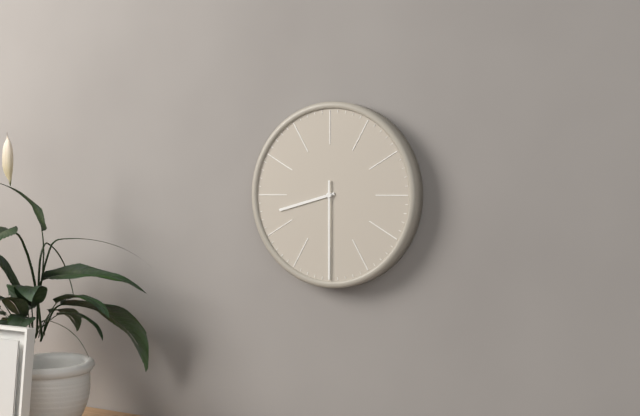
8.30
